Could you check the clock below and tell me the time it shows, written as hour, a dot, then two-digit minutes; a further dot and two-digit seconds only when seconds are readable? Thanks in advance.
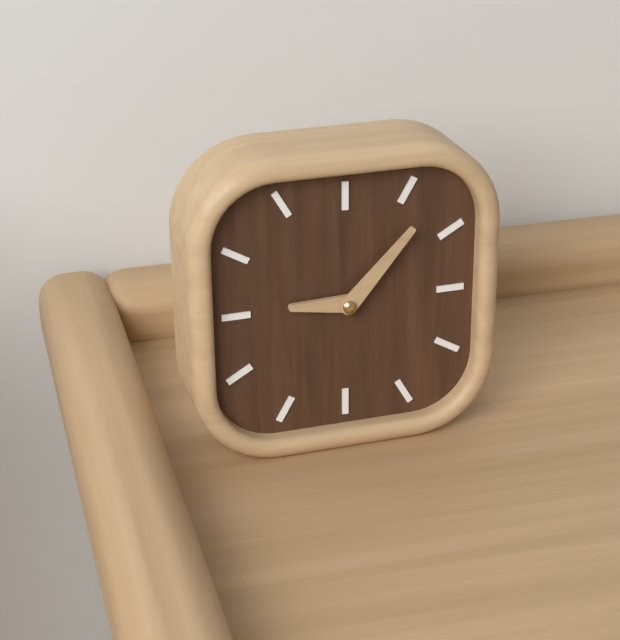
9.07
